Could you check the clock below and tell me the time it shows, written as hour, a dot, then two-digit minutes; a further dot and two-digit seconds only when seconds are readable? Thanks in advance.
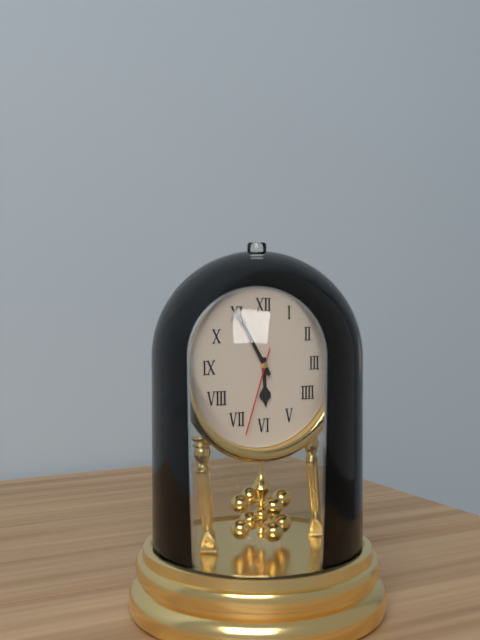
5.55.33
